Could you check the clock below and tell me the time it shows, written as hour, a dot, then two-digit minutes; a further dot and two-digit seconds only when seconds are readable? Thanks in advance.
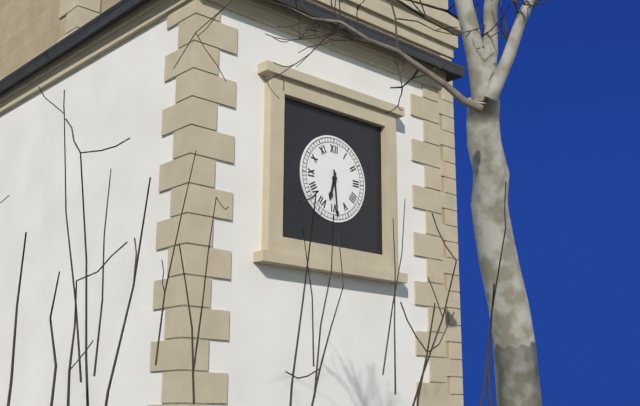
6.29
